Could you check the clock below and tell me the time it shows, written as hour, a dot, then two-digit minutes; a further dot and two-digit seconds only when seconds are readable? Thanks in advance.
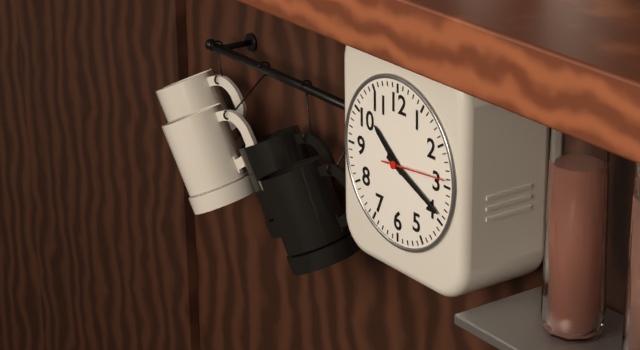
10.19.14
